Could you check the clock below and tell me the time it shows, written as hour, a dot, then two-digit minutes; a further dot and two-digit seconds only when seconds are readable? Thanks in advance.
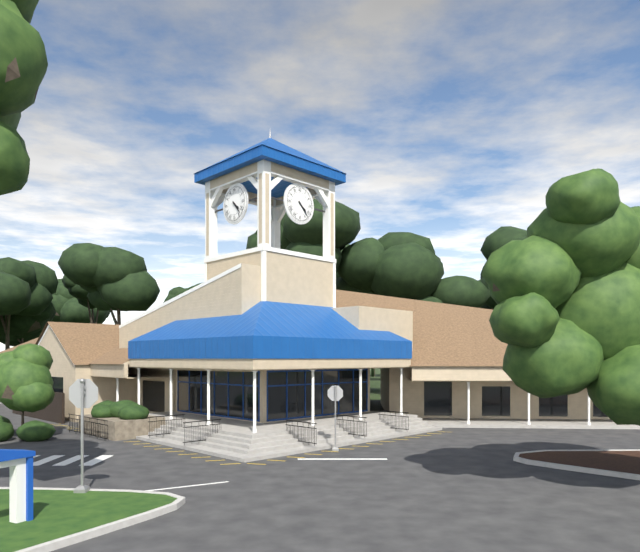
4.23
